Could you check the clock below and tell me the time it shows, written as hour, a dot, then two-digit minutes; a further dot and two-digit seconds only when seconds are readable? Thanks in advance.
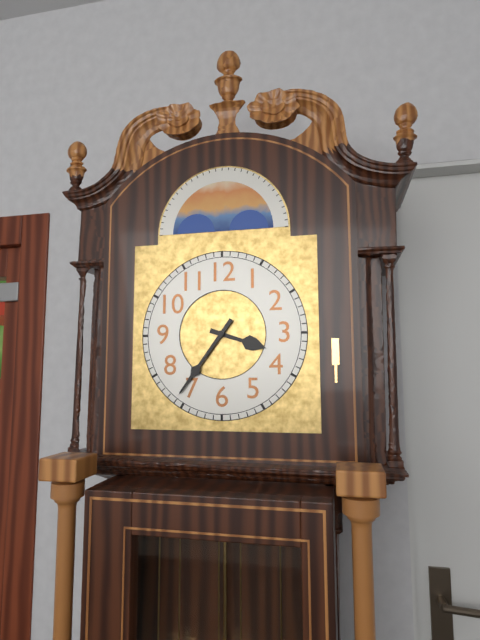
3.36
